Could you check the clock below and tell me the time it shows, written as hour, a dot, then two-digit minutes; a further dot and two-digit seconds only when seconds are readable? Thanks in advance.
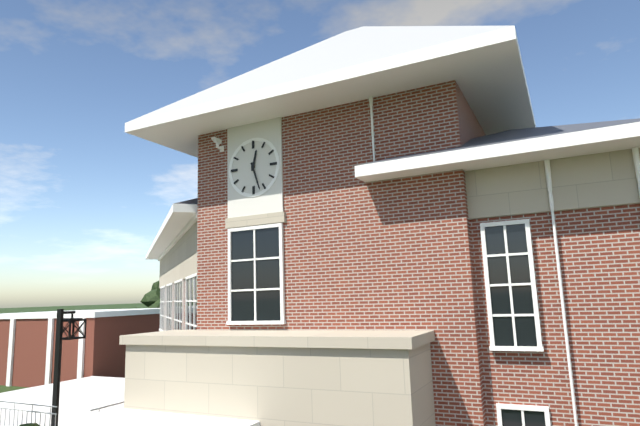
12.27
